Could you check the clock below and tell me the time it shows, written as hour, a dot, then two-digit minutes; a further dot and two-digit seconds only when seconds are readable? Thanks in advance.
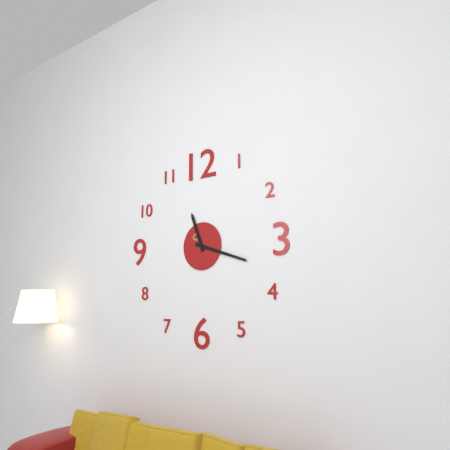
11.18
